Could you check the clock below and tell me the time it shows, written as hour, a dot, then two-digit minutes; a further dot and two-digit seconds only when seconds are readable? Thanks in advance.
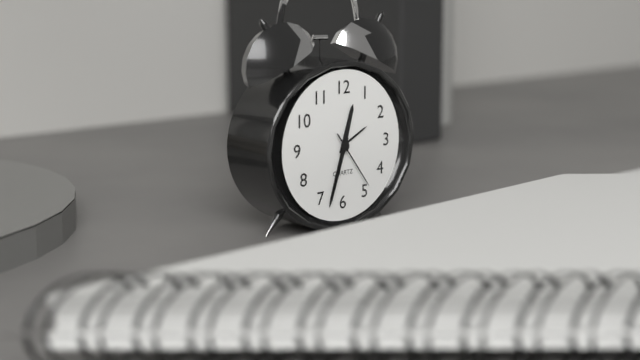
12.33.24
